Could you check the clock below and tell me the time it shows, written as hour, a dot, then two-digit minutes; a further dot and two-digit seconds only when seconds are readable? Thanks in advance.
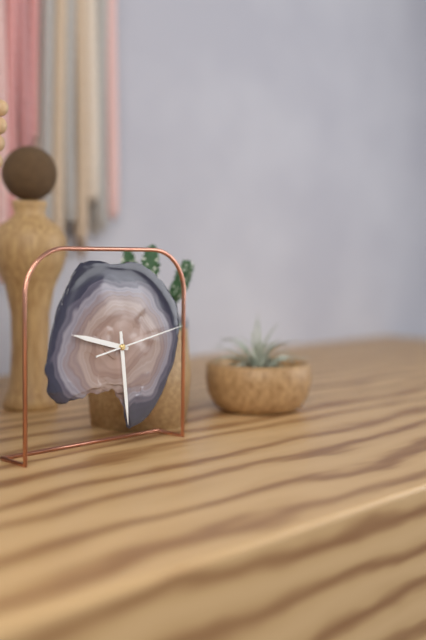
9.29.13
